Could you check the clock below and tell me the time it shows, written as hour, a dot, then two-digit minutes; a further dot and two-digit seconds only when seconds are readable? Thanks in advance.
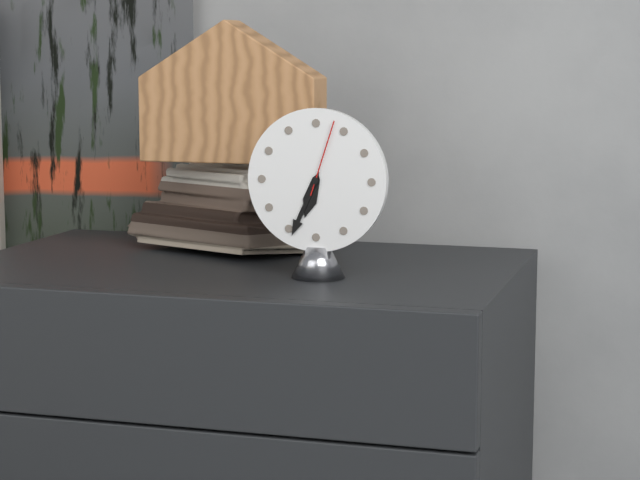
6.34.03
